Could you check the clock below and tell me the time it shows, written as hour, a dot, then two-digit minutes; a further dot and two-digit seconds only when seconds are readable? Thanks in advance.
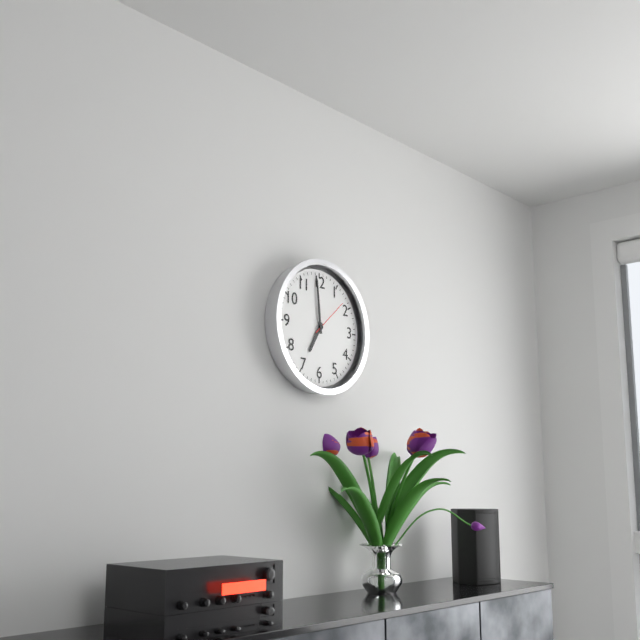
6.59
